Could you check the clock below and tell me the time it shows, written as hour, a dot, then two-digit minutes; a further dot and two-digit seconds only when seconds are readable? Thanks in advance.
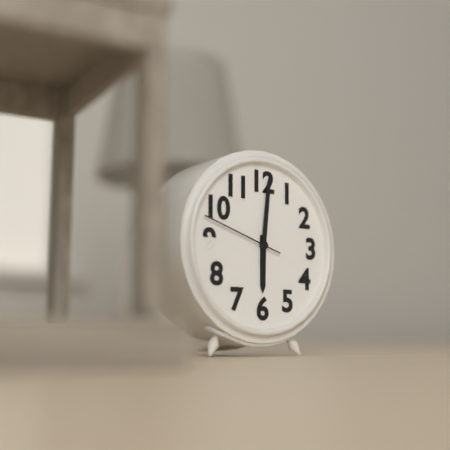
6.01.48
